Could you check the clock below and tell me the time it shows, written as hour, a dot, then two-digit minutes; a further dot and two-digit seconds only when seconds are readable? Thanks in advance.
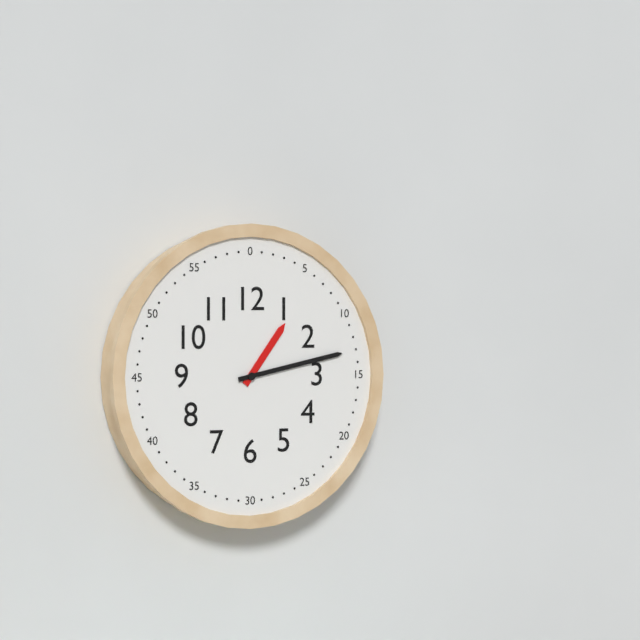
1.13
